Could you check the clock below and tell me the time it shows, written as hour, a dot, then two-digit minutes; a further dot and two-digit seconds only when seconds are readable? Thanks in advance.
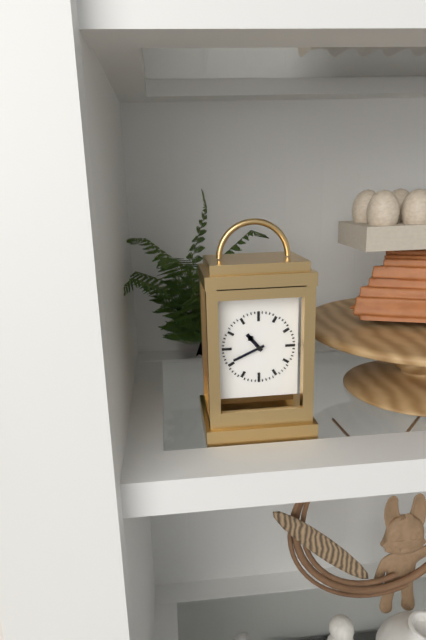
10.41
